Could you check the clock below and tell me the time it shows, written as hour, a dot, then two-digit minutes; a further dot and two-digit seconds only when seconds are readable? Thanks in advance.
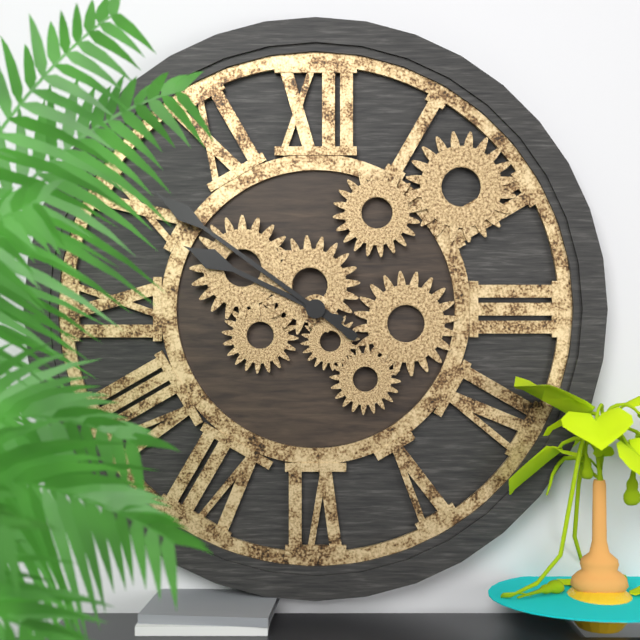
9.51
